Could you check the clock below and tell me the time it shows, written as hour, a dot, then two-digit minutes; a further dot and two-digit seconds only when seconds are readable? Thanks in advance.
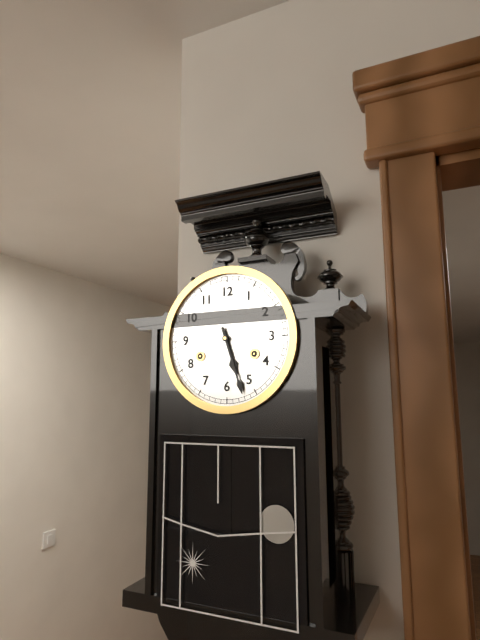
5.27
